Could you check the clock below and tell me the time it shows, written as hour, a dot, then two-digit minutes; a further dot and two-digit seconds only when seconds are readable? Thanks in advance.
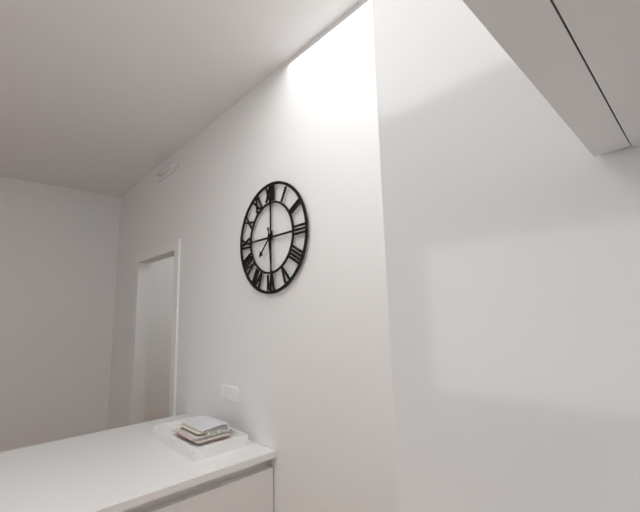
7.29
